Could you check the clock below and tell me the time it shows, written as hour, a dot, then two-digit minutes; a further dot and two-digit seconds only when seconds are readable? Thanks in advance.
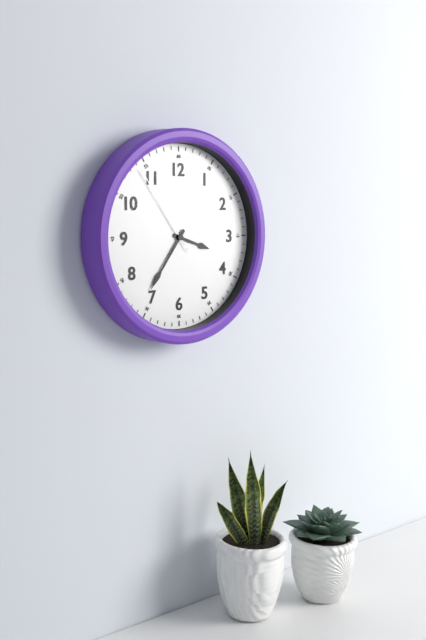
3.36.54
